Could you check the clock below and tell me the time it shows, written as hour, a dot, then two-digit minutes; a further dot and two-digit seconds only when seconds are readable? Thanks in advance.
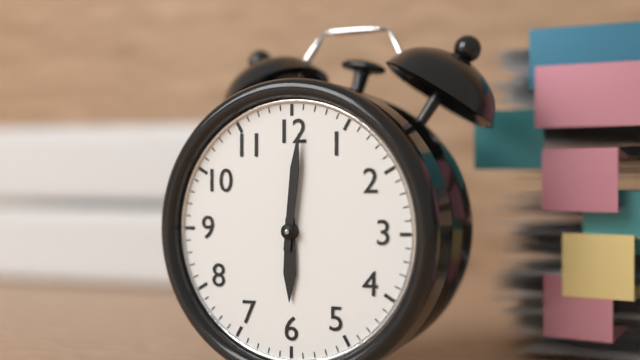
6.01
